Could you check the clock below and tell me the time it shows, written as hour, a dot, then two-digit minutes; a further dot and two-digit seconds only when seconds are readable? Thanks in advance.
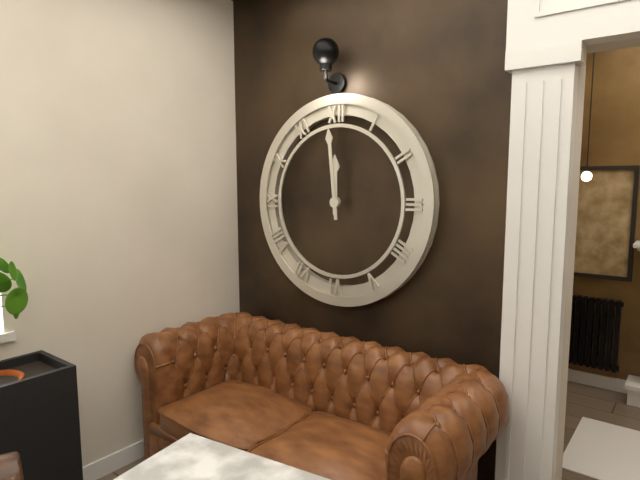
11.59
